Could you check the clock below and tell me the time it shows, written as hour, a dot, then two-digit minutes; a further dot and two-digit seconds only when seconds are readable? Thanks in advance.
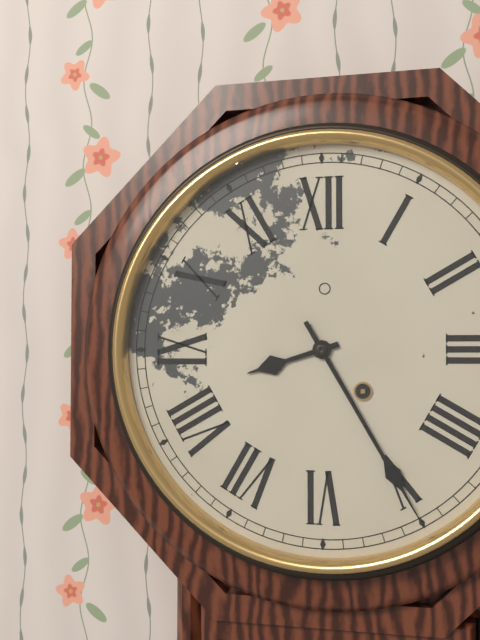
8.25
